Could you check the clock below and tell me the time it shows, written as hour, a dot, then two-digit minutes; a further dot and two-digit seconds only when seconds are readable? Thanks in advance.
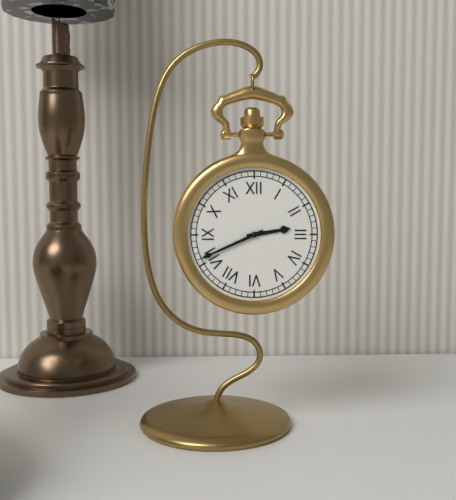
2.41
